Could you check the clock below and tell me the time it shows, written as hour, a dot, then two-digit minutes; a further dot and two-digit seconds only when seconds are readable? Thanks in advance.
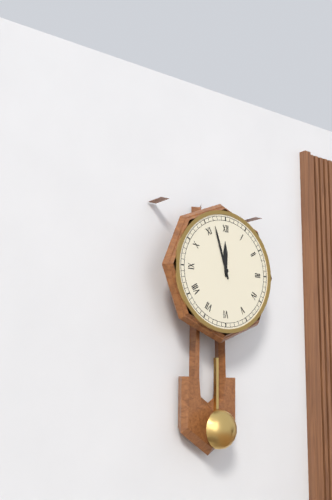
11.57
